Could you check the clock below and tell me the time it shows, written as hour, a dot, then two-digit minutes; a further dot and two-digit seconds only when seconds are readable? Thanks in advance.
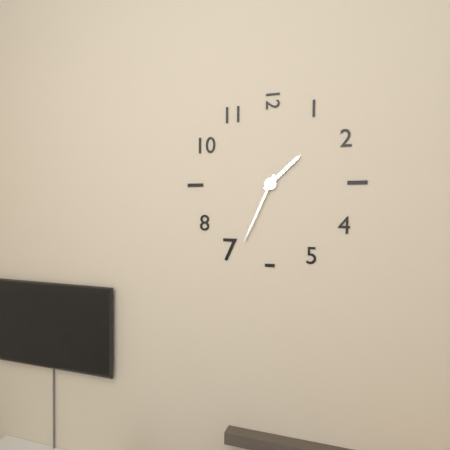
1.34
